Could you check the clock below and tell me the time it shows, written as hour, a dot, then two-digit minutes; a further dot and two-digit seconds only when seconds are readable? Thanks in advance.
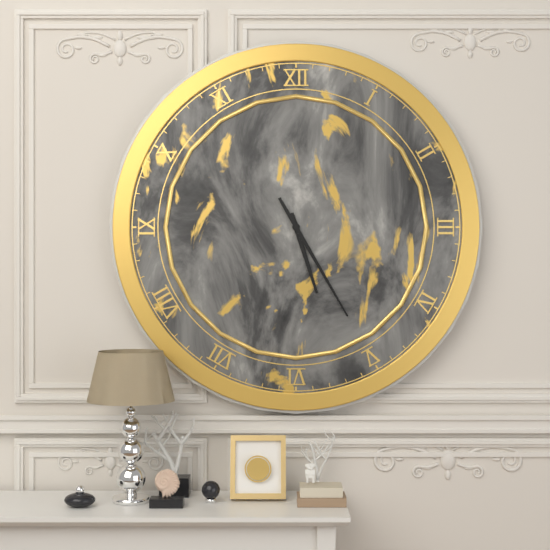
5.25
